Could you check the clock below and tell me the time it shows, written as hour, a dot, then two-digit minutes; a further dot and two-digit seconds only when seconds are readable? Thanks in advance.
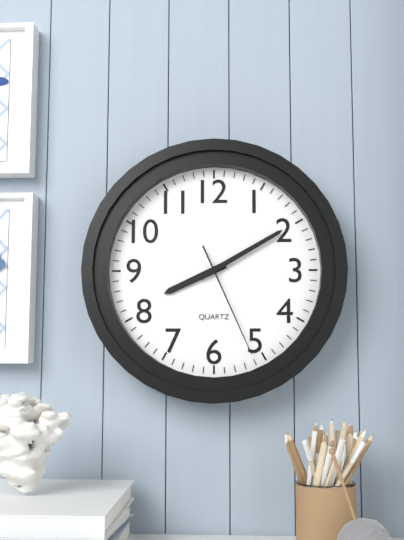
8.10.26
